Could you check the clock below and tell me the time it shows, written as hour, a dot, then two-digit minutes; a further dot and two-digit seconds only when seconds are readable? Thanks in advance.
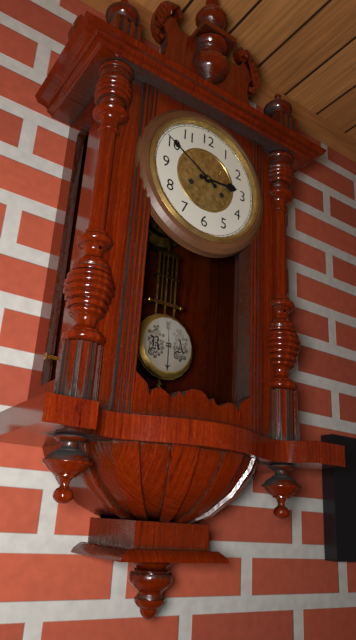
2.50
